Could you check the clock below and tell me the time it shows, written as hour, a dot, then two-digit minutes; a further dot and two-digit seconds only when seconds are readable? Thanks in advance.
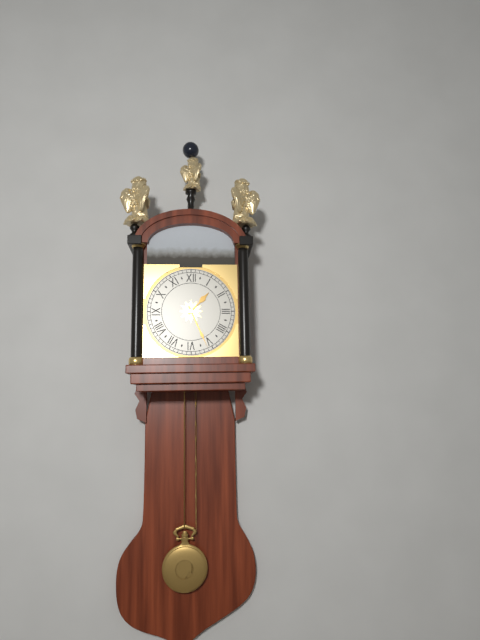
1.26
